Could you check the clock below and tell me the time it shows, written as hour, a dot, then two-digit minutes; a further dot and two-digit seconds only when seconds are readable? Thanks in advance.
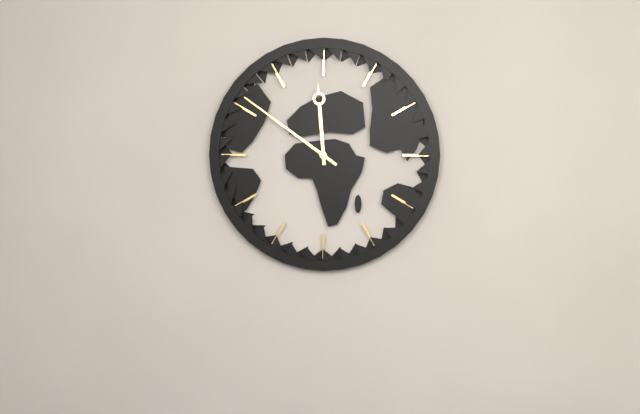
11.51
